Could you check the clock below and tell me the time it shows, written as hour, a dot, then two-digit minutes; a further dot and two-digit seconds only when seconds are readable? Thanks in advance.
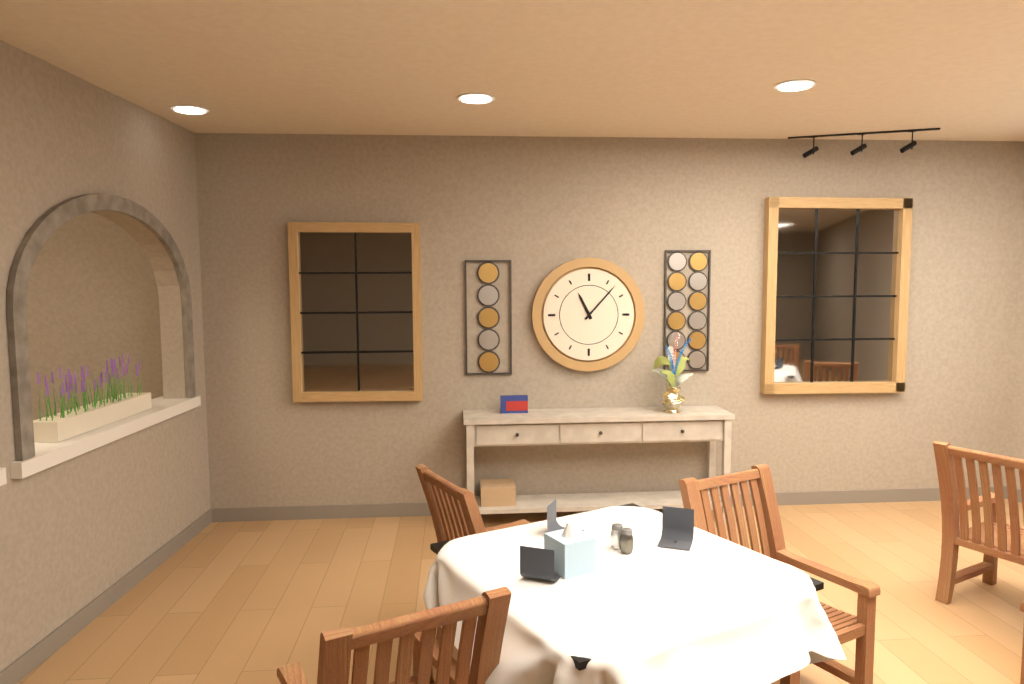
11.07
